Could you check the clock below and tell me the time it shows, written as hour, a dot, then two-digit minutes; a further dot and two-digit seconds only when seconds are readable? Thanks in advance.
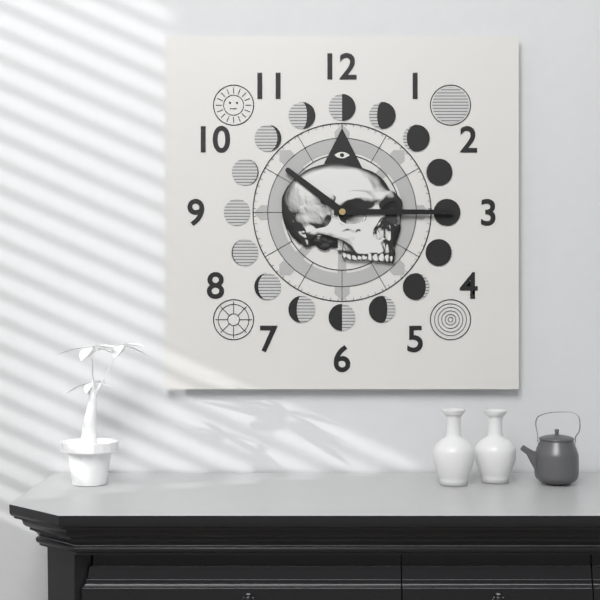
10.15
